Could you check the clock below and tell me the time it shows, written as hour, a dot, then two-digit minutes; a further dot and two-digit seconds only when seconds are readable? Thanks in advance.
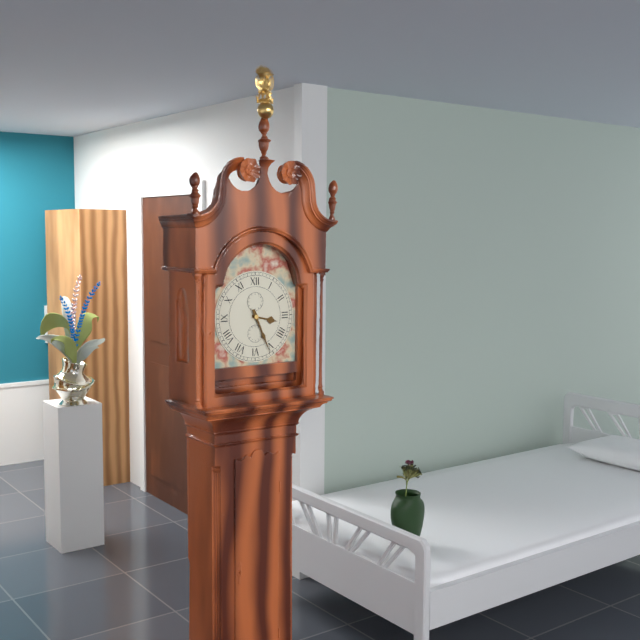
3.26
